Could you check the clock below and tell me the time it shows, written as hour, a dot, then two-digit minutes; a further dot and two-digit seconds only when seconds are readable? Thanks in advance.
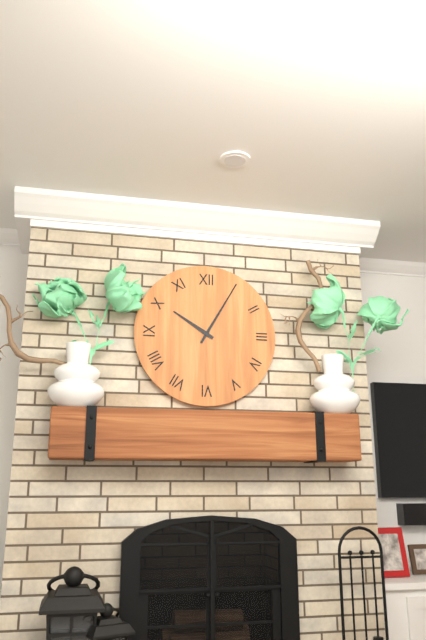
10.05
